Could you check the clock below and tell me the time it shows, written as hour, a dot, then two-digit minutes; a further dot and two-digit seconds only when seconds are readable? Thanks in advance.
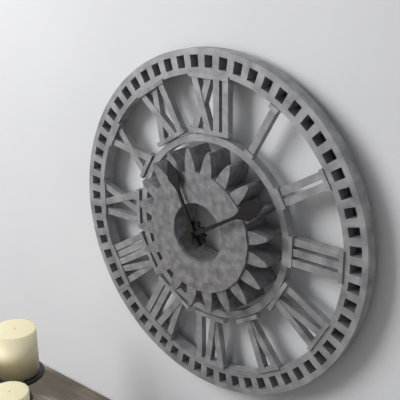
11.10
